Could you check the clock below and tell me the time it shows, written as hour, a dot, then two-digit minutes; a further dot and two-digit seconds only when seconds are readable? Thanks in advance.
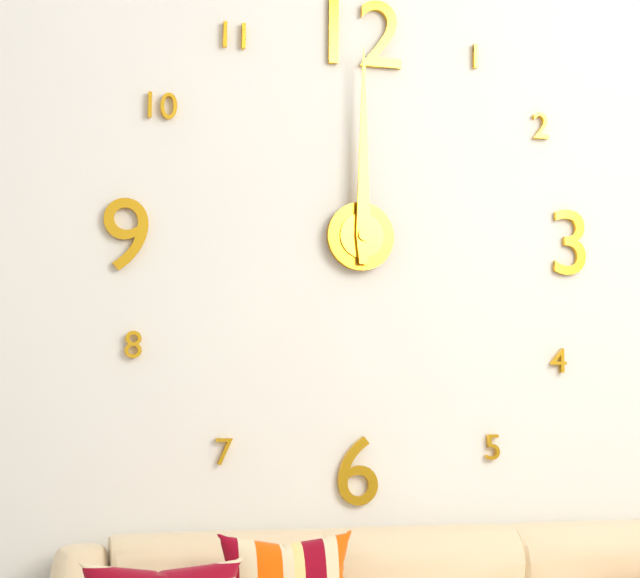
12.00
